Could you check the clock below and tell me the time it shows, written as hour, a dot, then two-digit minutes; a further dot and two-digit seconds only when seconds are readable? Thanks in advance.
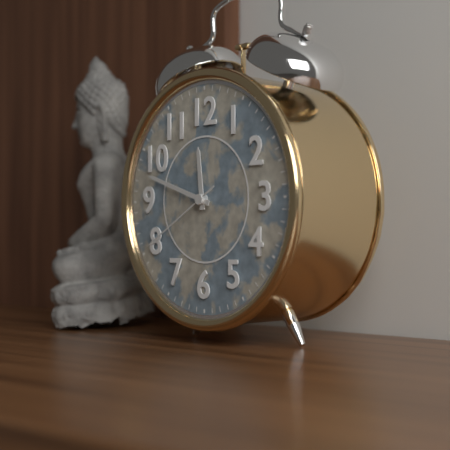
11.48.40
